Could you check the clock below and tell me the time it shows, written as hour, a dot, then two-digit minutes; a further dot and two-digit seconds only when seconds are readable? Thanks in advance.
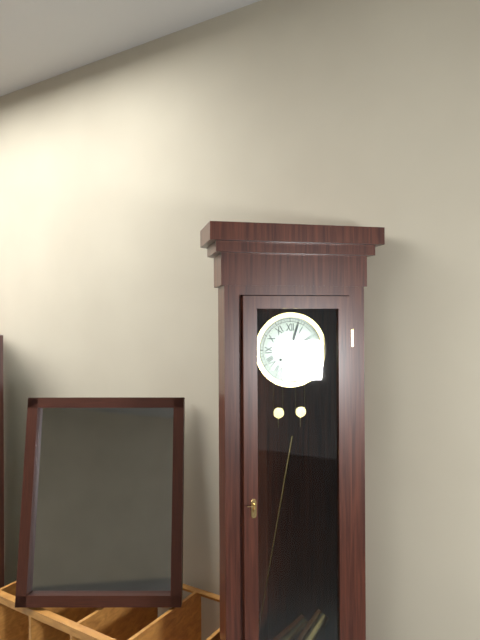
2.03
